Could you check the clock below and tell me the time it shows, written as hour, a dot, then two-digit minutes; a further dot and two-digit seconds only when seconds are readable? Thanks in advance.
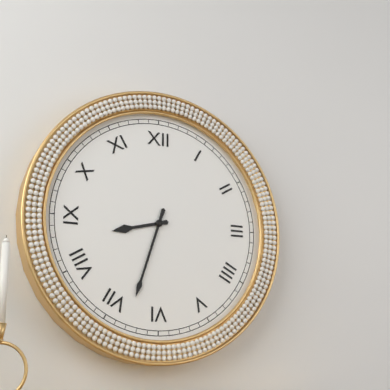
8.33
